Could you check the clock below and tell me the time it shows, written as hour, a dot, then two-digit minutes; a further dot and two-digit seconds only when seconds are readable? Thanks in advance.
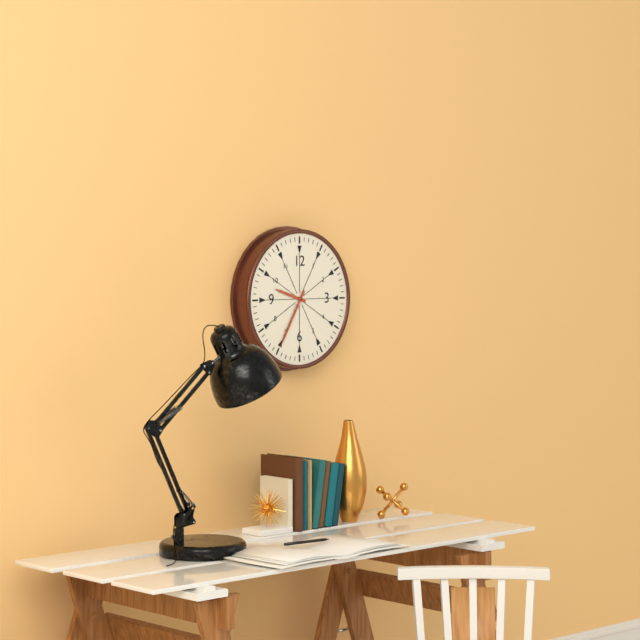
9.35
